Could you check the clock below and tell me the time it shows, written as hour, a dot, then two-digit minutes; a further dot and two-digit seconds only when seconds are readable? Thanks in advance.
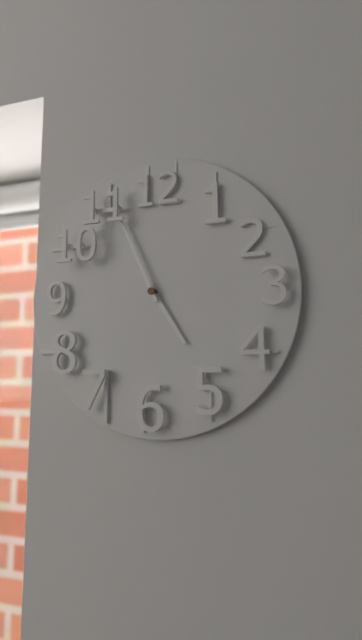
4.56
